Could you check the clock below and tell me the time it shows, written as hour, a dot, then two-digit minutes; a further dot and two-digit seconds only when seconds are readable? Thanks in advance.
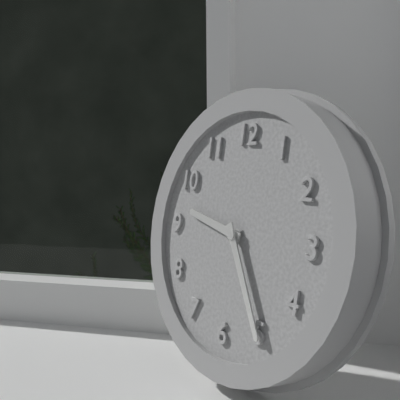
9.25
